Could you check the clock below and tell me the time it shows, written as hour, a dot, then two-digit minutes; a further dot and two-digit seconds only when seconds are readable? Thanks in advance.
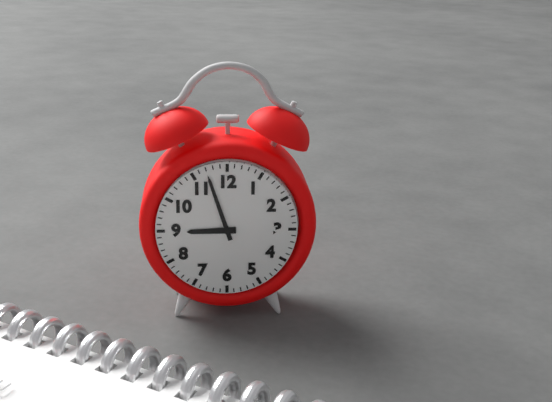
8.57
